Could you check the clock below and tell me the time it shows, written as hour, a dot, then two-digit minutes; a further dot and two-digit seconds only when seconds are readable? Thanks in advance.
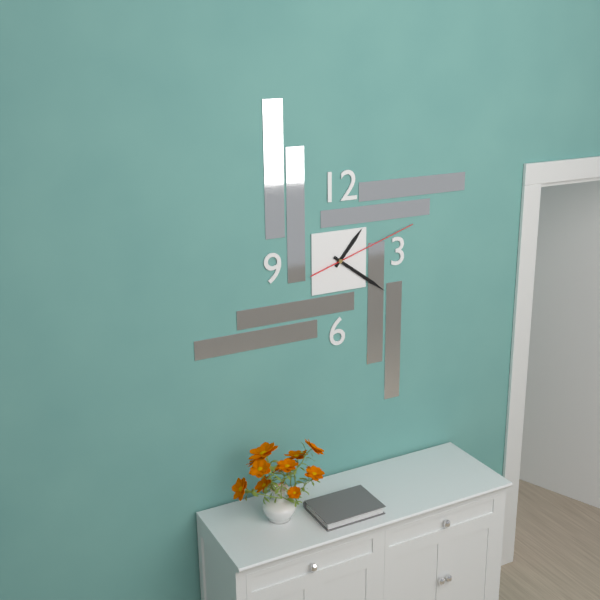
1.21.12
